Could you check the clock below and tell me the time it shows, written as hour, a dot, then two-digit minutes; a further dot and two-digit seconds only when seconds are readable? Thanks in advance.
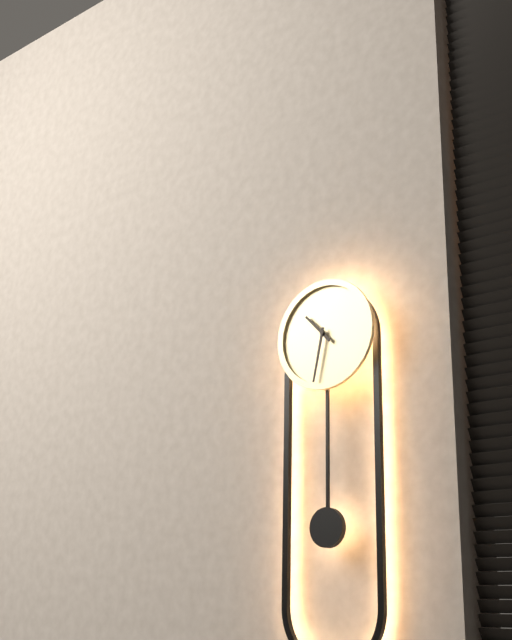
10.32
